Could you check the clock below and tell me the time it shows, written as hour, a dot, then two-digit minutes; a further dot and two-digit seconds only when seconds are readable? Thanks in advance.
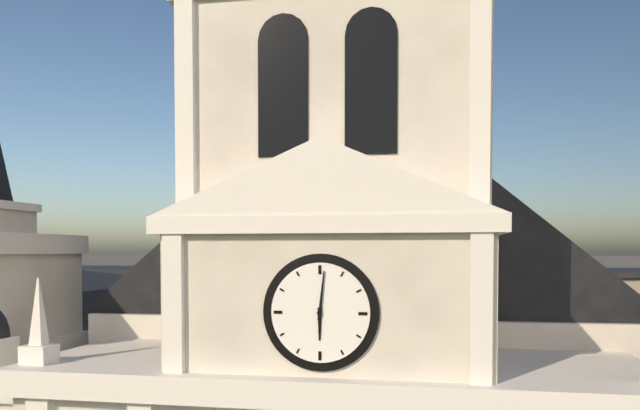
6.01
